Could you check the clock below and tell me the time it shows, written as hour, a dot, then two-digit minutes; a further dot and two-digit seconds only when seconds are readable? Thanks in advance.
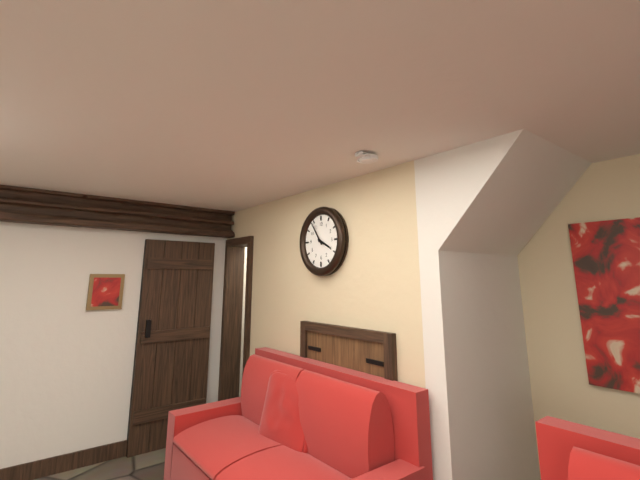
3.54
